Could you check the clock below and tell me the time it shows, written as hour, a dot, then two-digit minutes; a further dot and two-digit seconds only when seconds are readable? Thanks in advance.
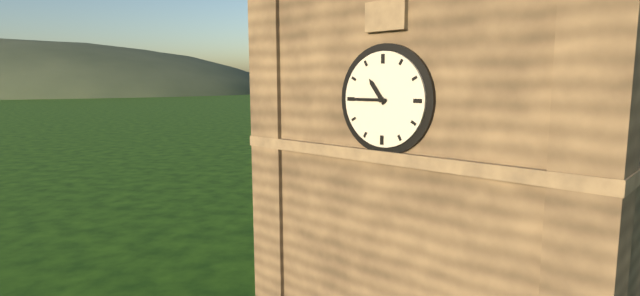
10.45
